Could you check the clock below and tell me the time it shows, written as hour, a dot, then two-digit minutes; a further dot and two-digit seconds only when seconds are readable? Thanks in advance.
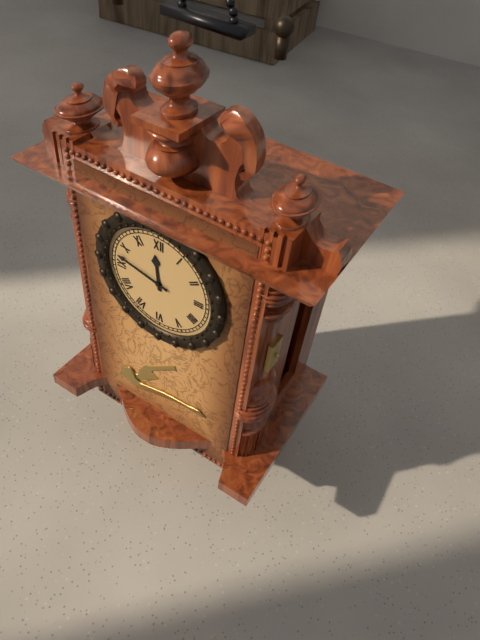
11.47
